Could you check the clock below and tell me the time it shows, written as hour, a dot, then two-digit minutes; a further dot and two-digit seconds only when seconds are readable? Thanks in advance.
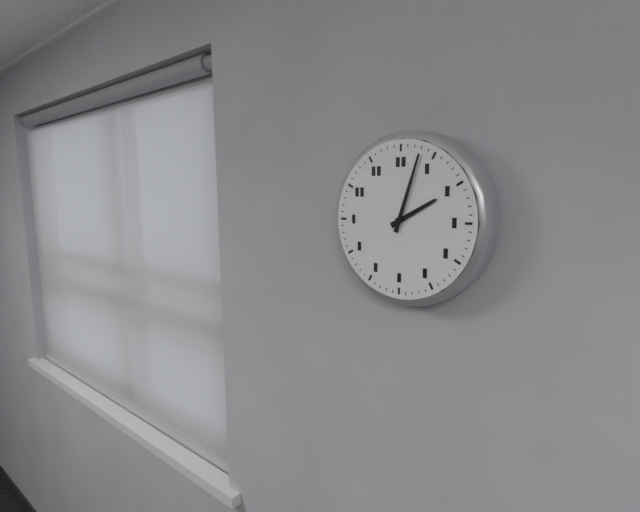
2.03
